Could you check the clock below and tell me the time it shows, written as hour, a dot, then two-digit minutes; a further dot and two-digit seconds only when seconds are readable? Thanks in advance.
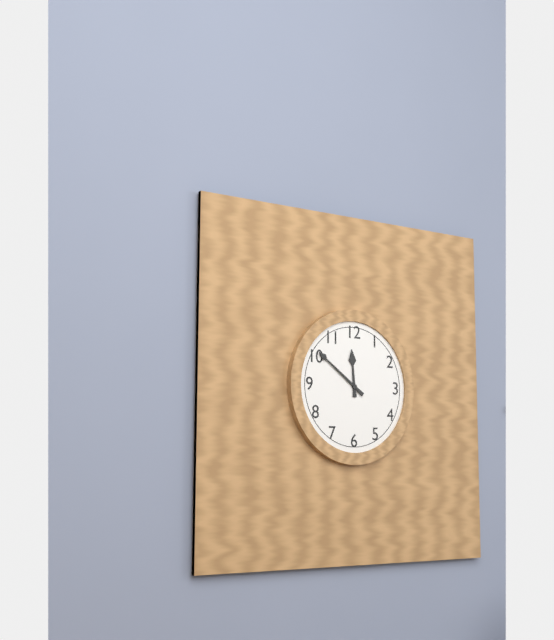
11.51
